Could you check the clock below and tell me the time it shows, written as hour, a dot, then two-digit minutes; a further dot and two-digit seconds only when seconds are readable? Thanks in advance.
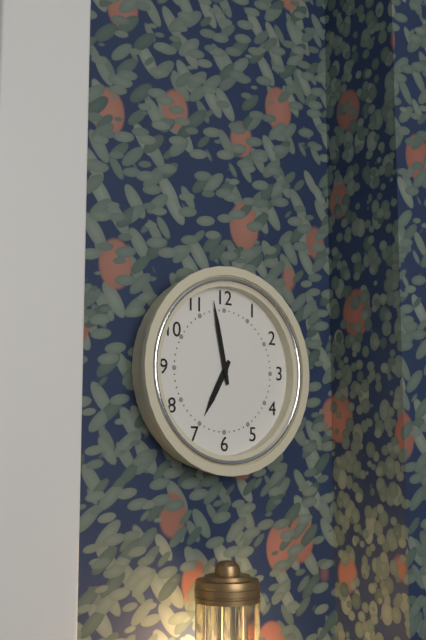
6.58
